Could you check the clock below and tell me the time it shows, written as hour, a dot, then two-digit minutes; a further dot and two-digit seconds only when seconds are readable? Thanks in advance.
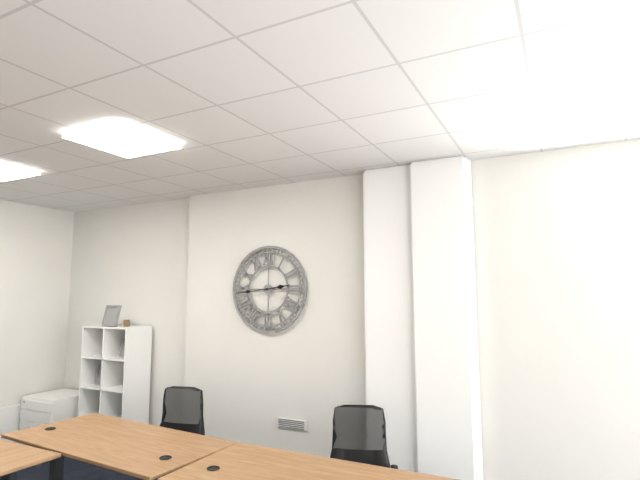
2.44
